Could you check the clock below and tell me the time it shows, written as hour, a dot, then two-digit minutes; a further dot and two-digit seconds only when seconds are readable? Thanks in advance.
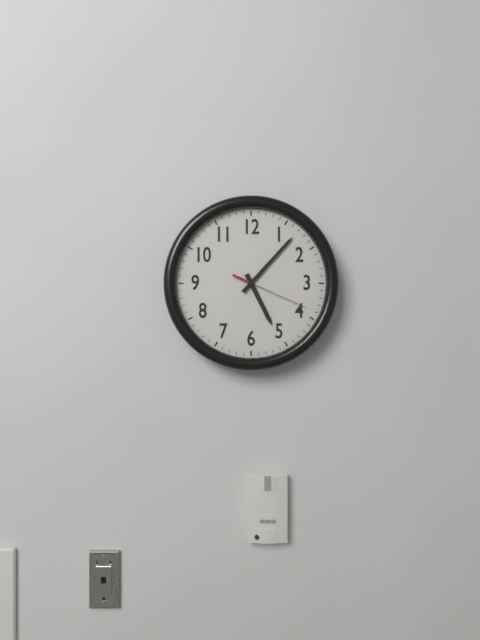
5.07.19
